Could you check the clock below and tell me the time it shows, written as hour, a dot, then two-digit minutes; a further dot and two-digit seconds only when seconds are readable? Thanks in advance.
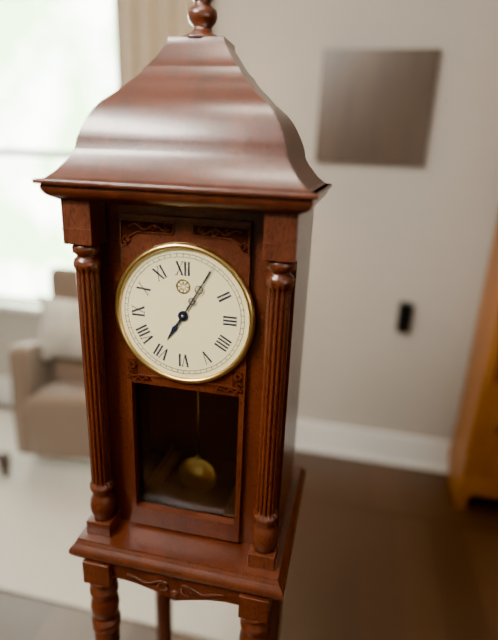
7.05
